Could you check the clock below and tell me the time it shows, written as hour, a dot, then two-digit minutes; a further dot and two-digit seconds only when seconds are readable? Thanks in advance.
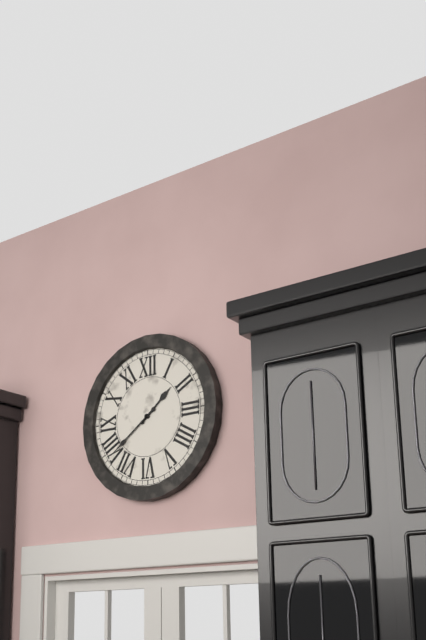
1.39
